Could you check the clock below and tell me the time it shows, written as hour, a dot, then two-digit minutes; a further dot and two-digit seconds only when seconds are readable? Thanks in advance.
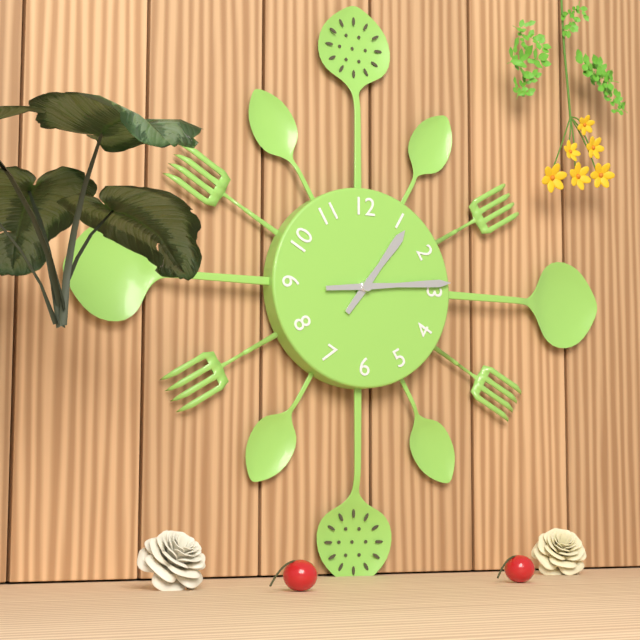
1.14
